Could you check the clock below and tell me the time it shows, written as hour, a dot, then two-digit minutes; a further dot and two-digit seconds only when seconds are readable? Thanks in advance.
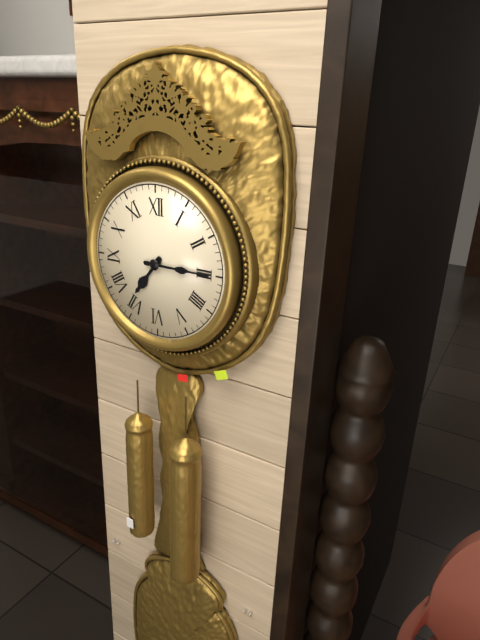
7.15
